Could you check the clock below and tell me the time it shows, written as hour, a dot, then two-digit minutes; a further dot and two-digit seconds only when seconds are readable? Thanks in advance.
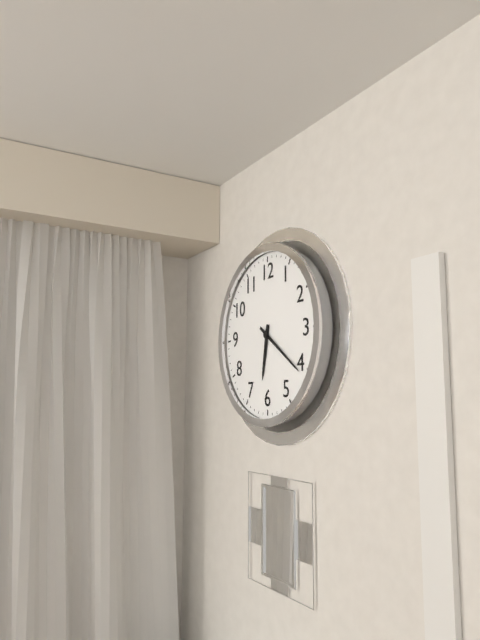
6.21
